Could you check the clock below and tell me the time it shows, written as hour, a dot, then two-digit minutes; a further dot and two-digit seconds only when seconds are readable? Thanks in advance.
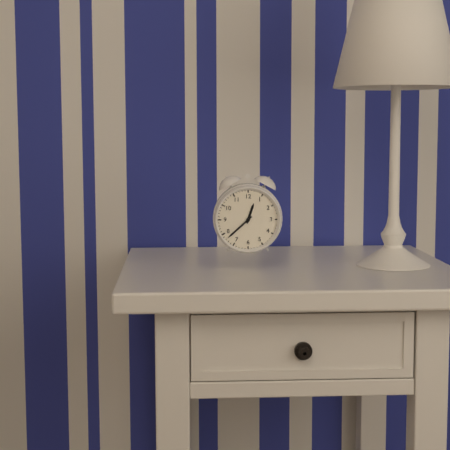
12.38
